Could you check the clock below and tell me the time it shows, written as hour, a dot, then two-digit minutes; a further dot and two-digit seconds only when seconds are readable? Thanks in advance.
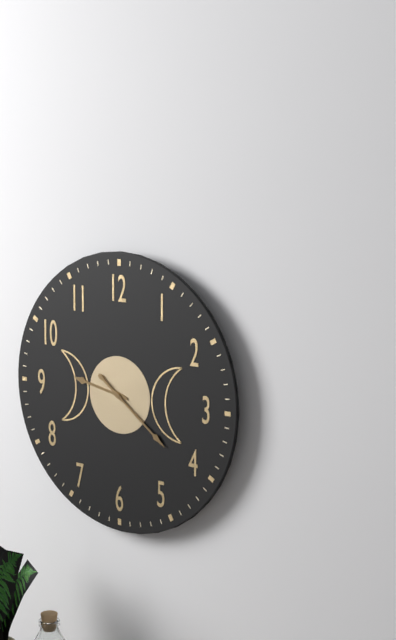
9.21
